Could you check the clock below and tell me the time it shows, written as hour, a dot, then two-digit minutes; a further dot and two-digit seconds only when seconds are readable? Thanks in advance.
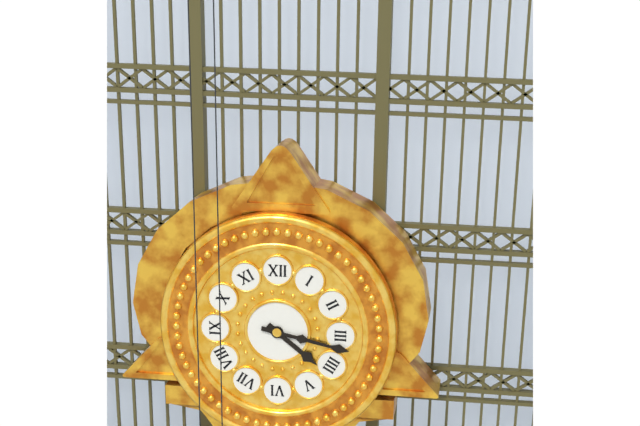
4.17
